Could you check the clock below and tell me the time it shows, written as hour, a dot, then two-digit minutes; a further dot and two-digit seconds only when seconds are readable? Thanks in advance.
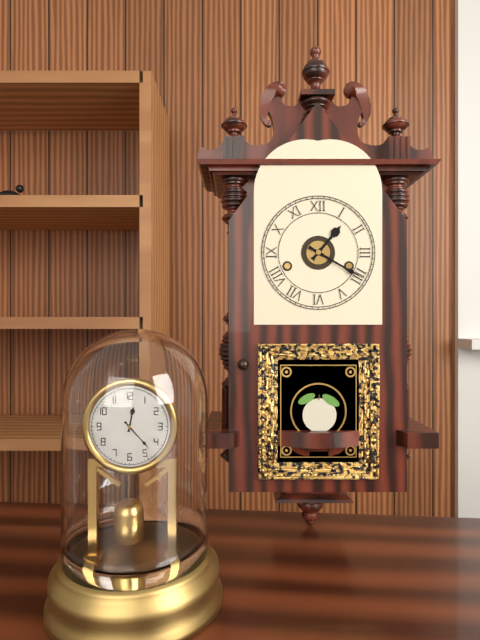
1.20
